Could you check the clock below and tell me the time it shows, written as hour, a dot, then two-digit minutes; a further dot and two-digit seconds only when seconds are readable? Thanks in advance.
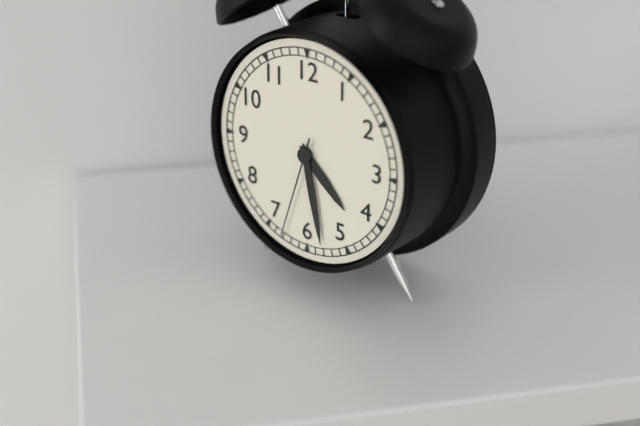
4.28.33
